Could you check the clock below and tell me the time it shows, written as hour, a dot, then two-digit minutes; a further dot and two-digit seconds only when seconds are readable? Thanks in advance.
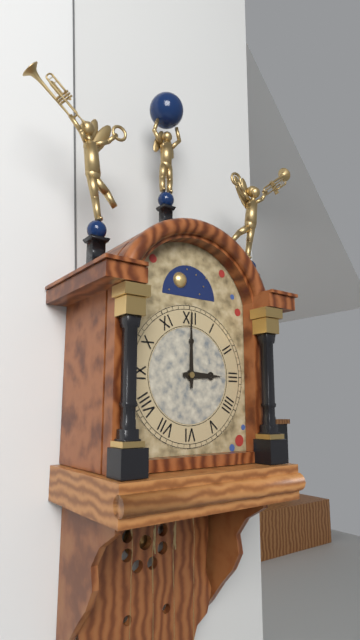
3.00
